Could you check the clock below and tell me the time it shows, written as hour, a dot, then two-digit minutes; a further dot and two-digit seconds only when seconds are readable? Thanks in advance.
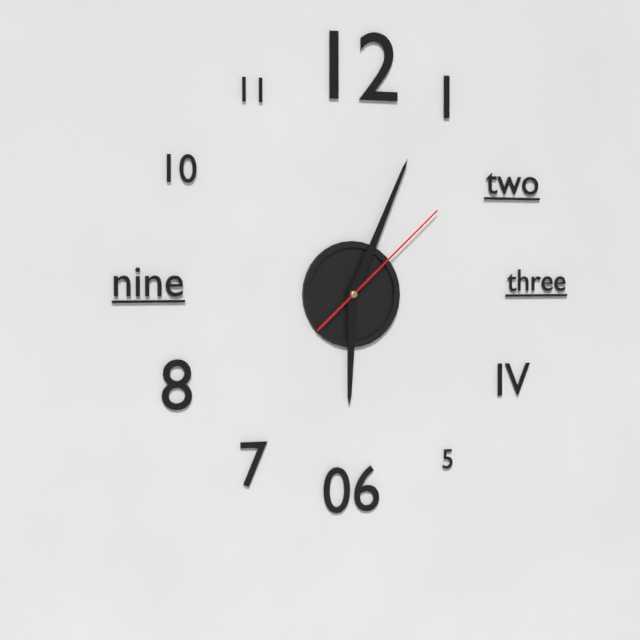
6.04.08
